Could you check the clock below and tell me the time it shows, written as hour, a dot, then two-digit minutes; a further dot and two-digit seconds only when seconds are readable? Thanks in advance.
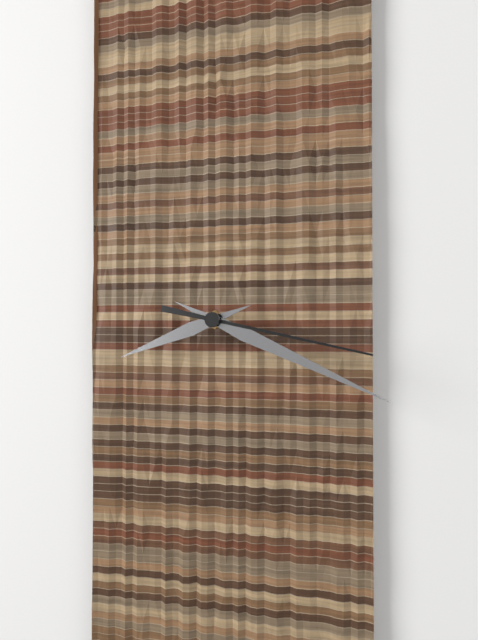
8.19.17
